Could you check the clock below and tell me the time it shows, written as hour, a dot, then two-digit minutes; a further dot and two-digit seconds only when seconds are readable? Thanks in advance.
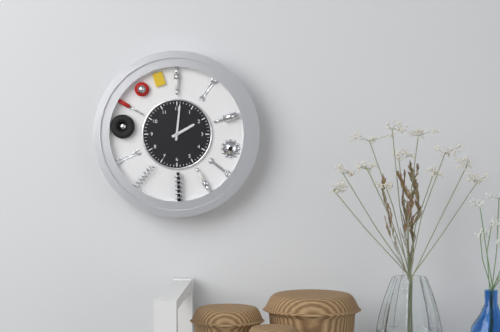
2.01
